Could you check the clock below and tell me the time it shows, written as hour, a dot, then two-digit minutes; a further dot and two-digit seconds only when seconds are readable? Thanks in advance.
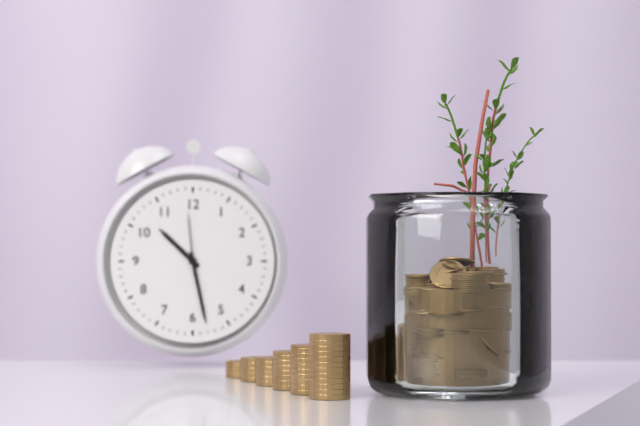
10.28.59
